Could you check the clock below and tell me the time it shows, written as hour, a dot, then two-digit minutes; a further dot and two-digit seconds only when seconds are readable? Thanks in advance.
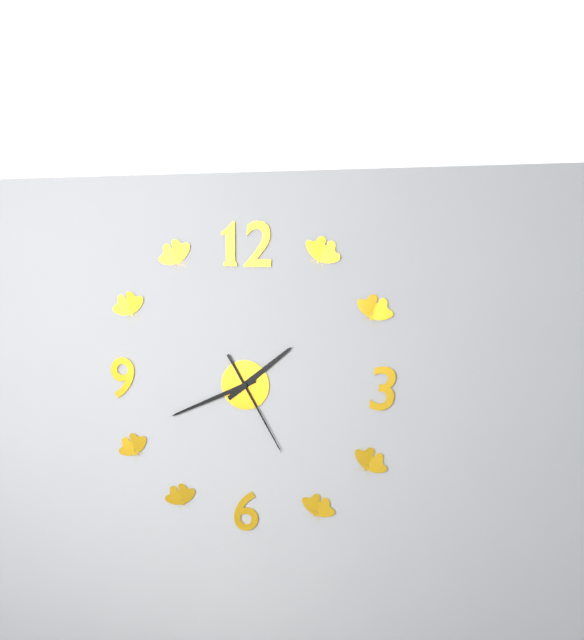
1.41.25
